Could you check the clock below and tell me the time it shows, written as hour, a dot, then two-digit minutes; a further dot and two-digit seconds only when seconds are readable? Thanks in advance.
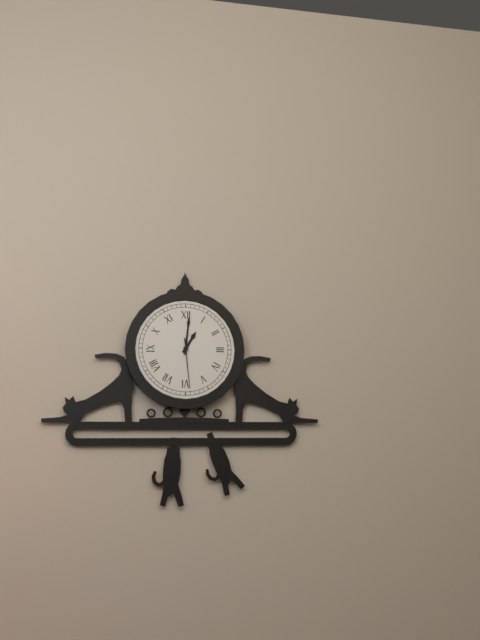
1.01
